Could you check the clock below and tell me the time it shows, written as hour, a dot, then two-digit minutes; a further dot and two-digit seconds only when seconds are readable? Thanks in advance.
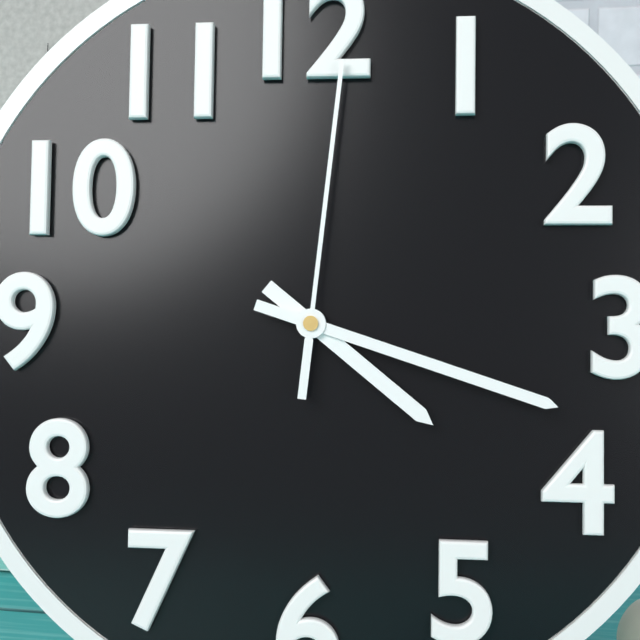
4.18.01
